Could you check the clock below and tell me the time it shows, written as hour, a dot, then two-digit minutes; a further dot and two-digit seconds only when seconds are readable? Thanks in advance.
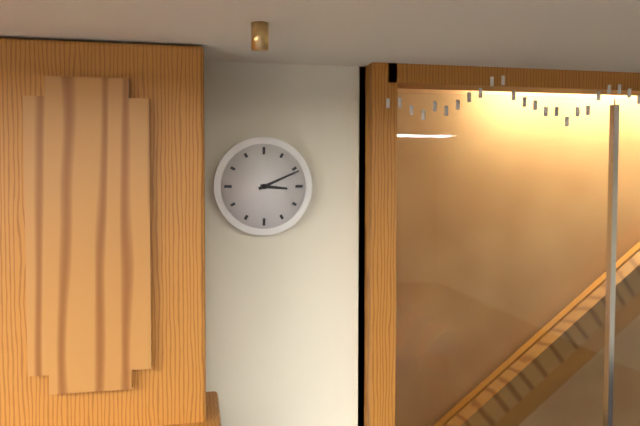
3.11
